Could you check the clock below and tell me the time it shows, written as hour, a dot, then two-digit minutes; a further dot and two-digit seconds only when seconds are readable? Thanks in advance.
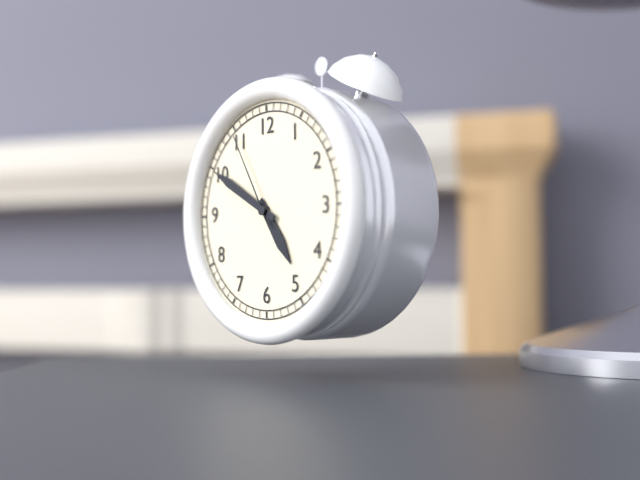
4.50.55
